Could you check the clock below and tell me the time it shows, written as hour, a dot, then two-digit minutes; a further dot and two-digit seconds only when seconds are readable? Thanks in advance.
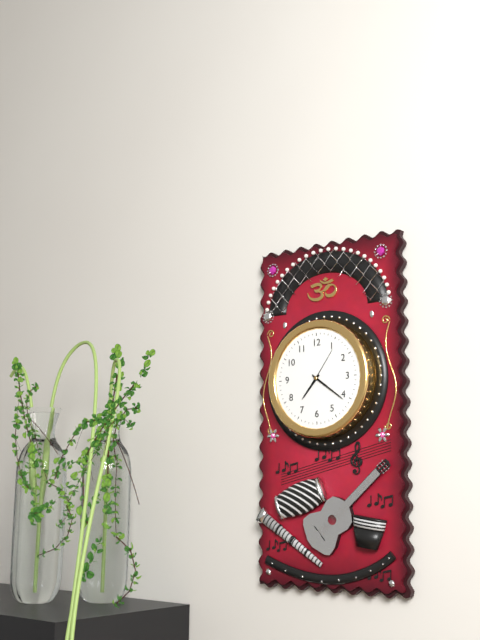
7.21
